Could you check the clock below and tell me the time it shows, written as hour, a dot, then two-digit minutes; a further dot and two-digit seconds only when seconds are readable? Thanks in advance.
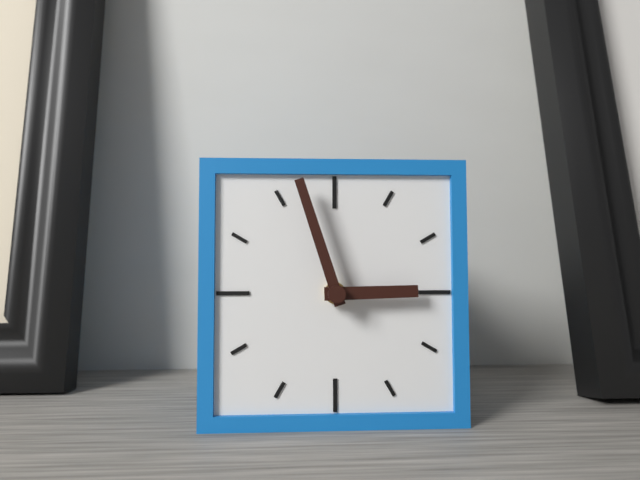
2.57
